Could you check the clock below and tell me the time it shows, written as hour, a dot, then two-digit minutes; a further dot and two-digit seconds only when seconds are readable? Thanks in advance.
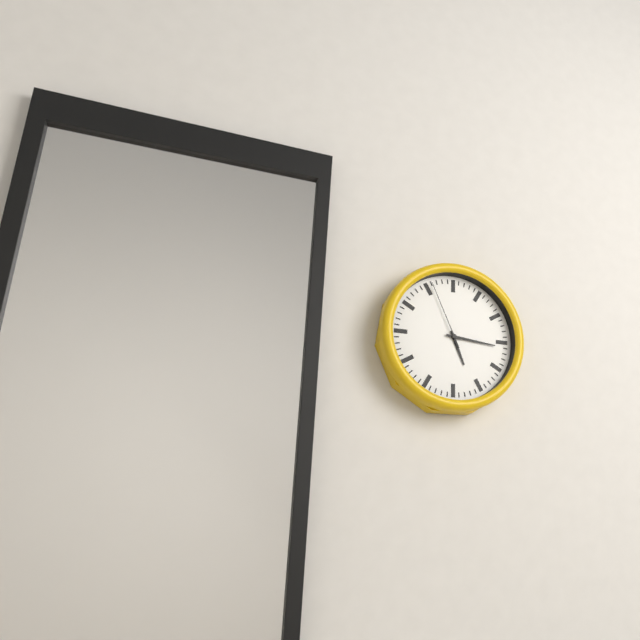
5.16.56
